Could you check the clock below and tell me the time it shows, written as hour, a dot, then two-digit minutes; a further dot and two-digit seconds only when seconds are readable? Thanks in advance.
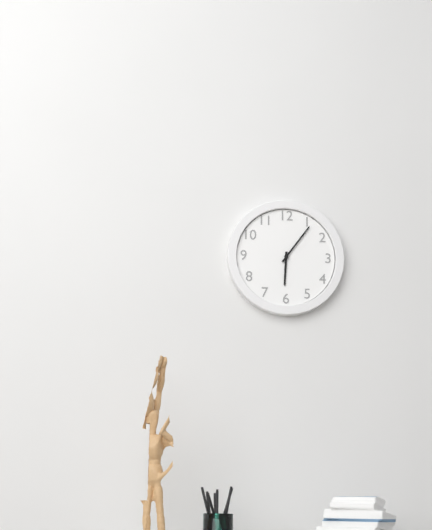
6.06
